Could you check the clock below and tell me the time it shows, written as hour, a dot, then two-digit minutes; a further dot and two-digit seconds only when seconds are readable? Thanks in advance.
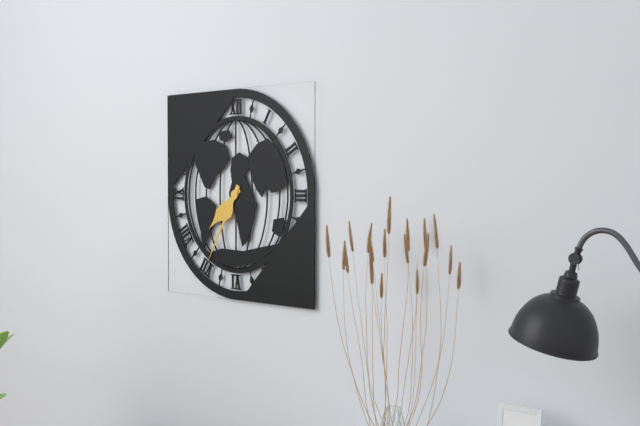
7.35
